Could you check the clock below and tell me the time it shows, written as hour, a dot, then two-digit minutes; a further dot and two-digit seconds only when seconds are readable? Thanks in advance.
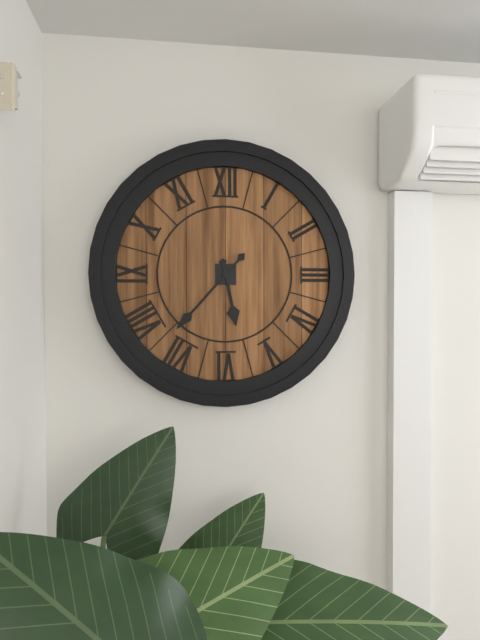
5.37
